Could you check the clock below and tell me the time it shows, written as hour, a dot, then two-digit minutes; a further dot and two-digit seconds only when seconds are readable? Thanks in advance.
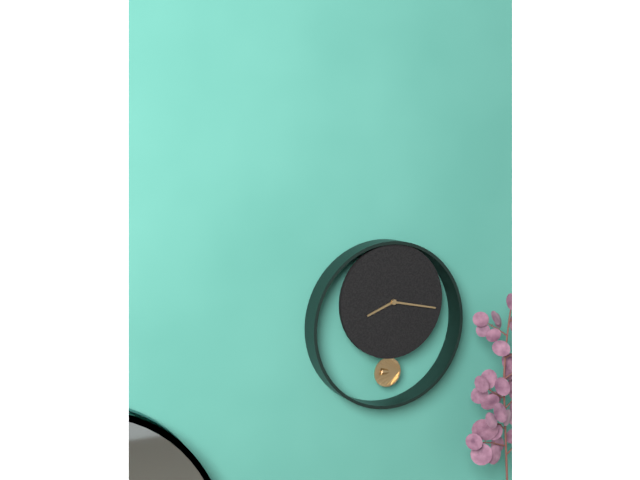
8.17
